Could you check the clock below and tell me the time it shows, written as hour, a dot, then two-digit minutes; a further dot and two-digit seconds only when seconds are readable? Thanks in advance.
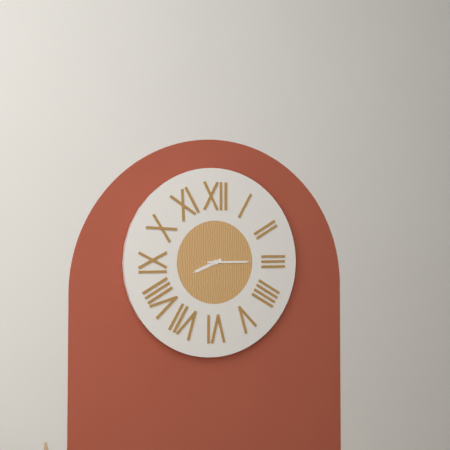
8.15
